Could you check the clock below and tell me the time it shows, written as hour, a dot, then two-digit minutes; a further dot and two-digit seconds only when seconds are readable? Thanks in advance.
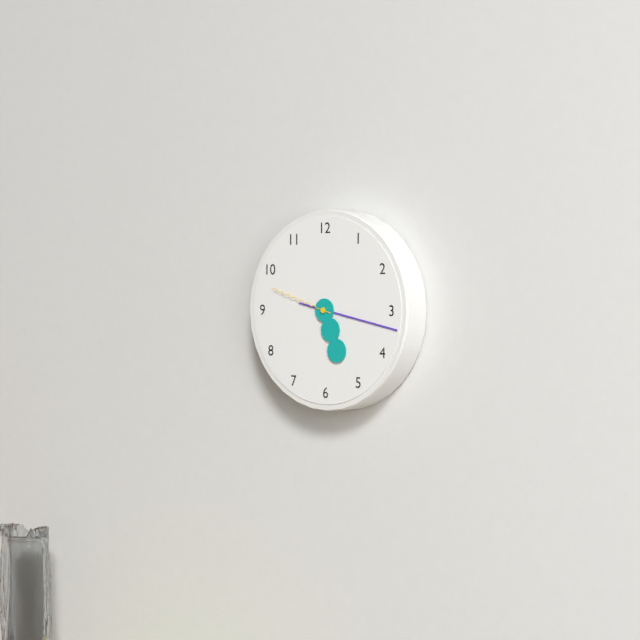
5.17.48
